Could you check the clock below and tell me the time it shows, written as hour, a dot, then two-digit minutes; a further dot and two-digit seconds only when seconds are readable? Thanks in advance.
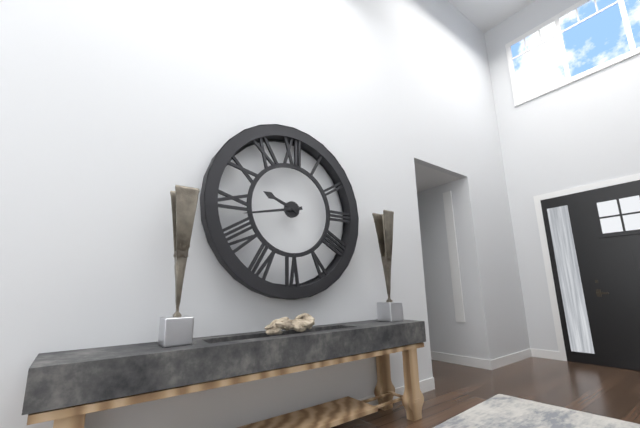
9.43
